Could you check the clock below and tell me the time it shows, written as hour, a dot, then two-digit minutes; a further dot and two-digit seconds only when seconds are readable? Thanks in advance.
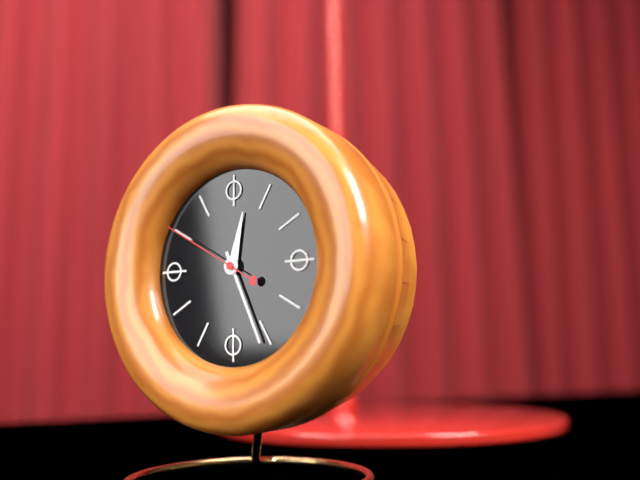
12.26.50
